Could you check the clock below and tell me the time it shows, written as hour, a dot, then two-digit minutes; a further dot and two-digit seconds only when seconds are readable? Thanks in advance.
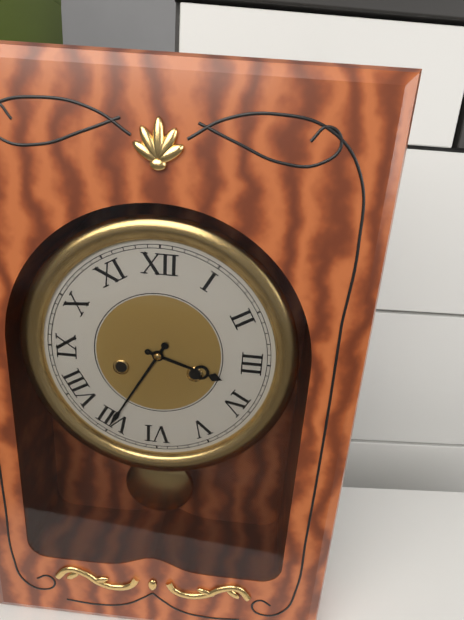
3.35
